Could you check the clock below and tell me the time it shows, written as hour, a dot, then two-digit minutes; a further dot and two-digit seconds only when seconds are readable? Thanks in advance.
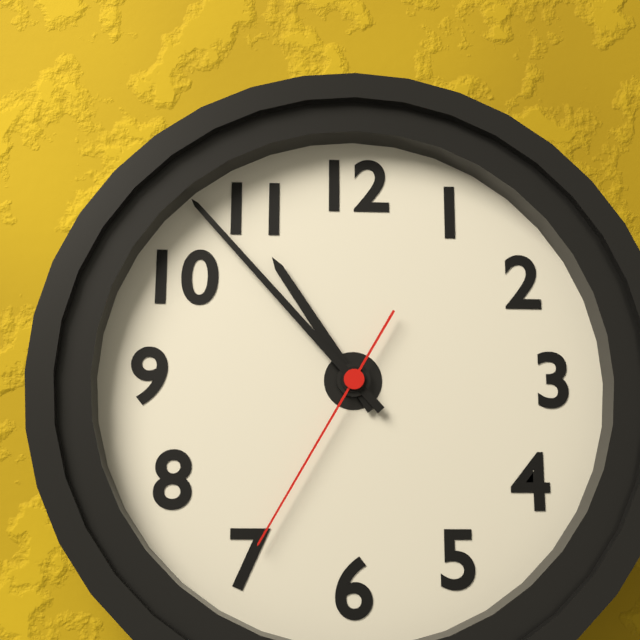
10.53.35
